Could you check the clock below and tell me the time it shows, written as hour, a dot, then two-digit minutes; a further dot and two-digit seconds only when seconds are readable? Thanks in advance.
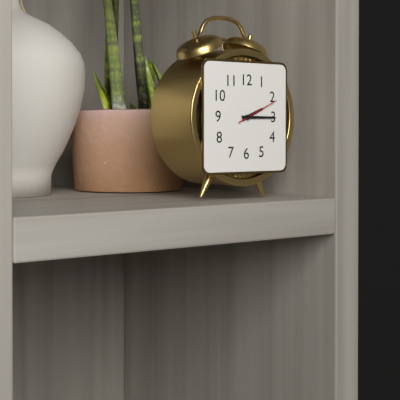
2.15
